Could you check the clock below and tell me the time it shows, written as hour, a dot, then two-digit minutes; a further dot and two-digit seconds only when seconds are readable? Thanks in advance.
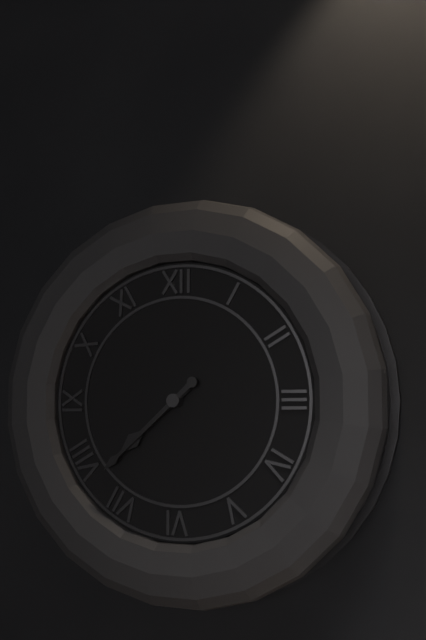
7.38
